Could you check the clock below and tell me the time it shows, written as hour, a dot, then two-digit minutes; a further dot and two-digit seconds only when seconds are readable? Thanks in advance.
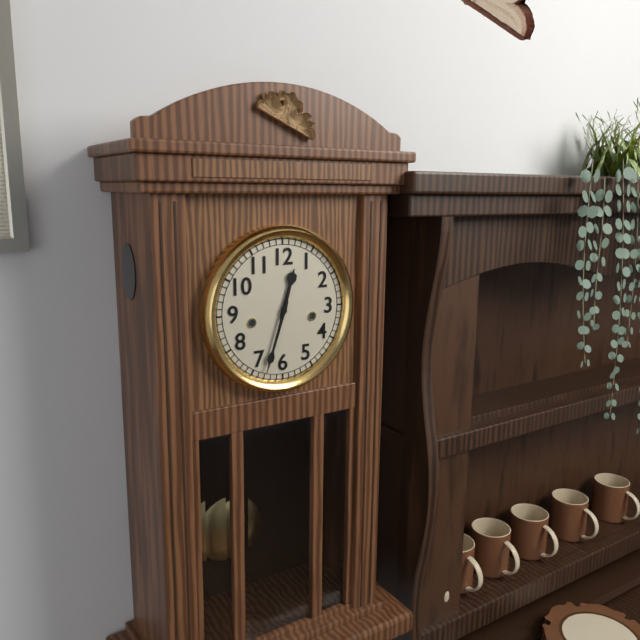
12.33
